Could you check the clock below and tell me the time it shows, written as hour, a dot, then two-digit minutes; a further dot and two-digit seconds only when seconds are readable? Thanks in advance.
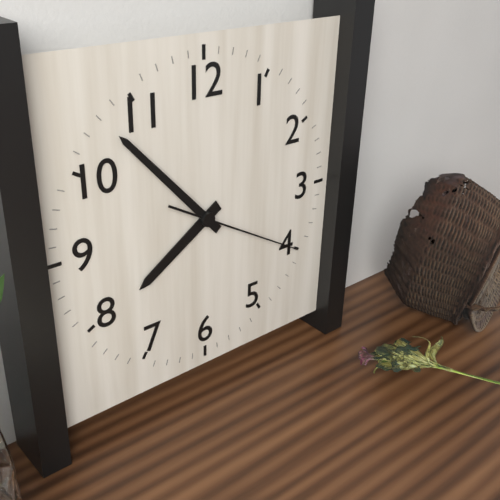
7.53.20
